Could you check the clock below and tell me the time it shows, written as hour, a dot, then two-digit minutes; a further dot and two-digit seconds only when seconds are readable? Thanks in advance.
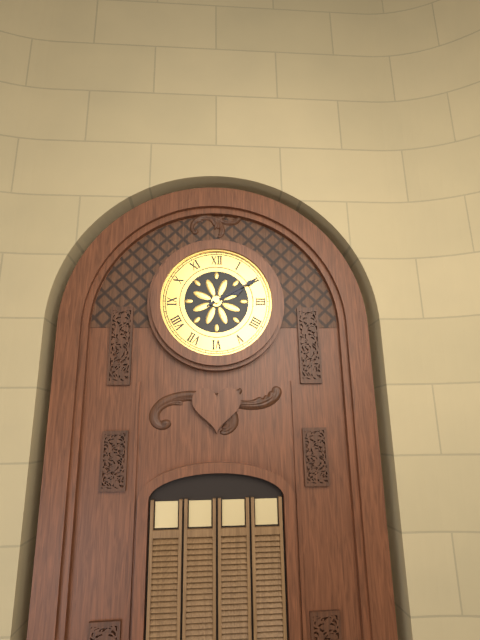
2.10
